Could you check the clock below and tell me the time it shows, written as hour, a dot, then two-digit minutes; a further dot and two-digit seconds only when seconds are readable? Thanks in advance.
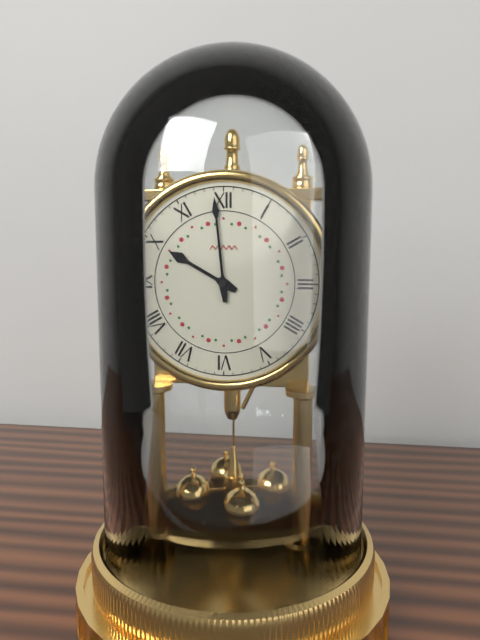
9.59
